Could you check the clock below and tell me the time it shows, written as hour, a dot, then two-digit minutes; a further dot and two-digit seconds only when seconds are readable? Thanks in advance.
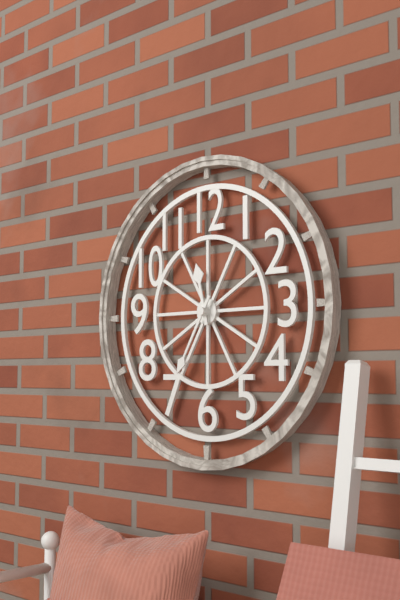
11.35
